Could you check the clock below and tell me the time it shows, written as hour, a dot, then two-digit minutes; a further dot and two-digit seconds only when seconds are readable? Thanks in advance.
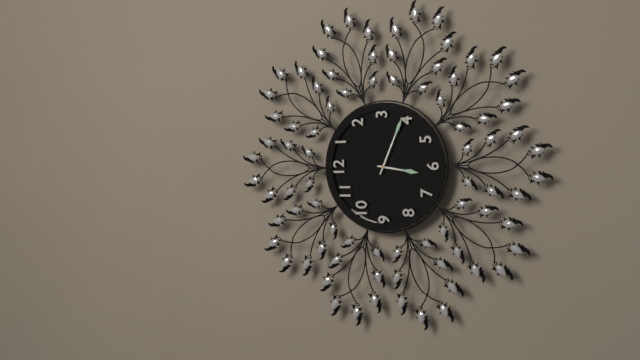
6.19
